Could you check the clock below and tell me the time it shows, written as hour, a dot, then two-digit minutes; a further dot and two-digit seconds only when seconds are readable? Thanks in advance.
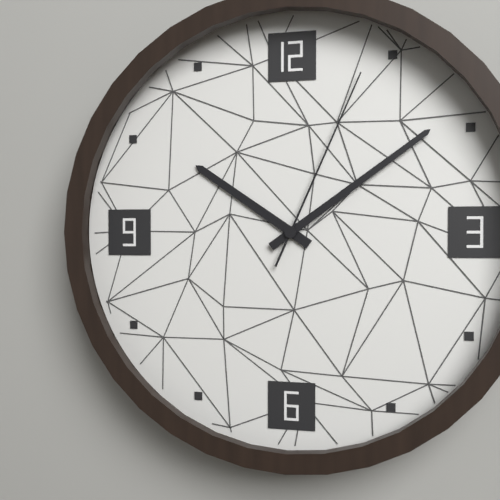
10.09.04
